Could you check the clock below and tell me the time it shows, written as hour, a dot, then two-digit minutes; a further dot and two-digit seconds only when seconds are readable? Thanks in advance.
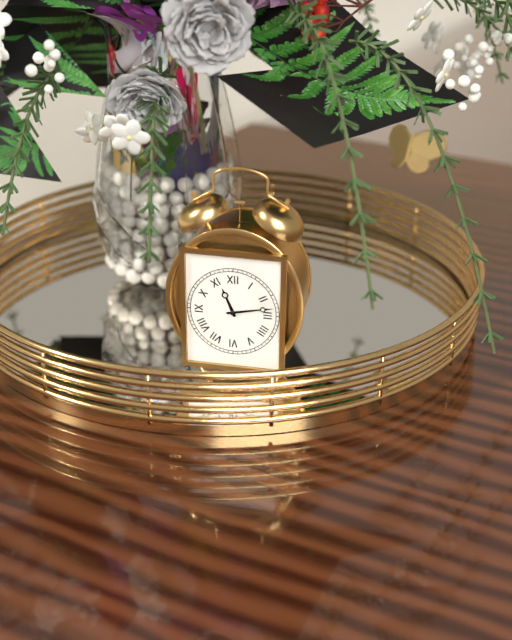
11.13
